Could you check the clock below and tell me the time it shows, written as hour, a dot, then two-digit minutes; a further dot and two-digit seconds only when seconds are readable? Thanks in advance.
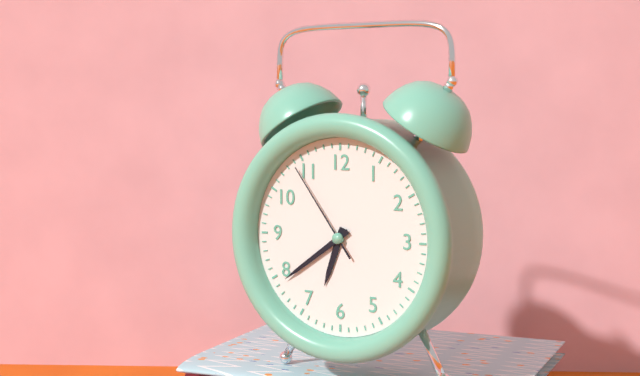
6.39.54
